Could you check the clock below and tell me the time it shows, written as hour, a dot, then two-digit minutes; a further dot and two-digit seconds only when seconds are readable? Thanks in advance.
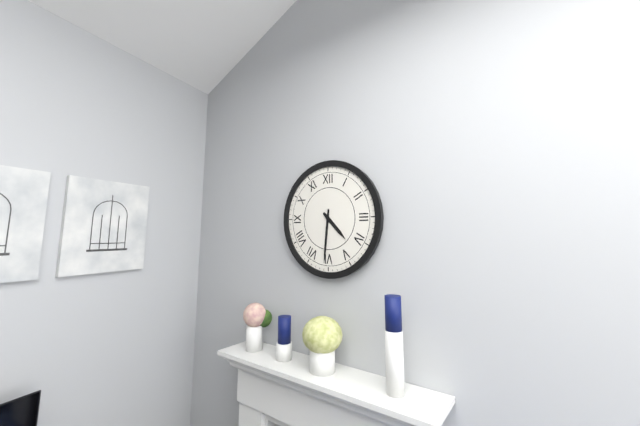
4.31
